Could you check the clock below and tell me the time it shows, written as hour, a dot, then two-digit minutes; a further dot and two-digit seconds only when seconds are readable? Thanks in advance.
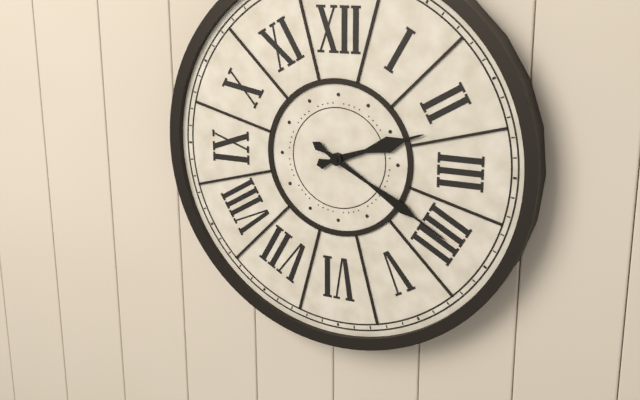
2.20
